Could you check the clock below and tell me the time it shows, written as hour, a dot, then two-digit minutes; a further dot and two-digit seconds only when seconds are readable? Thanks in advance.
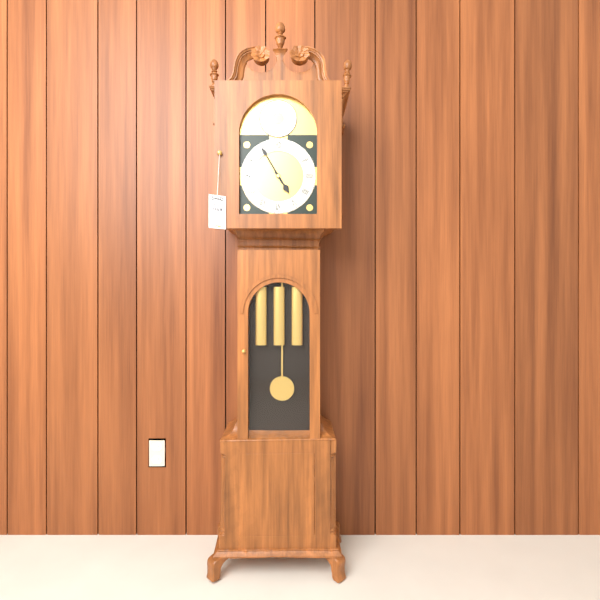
4.55
